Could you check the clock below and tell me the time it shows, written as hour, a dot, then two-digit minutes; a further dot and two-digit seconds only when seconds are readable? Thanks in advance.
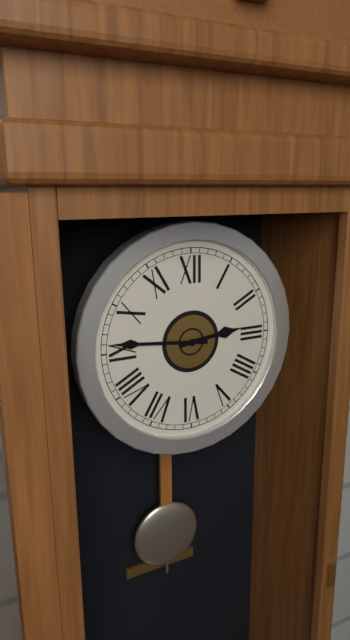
2.46
